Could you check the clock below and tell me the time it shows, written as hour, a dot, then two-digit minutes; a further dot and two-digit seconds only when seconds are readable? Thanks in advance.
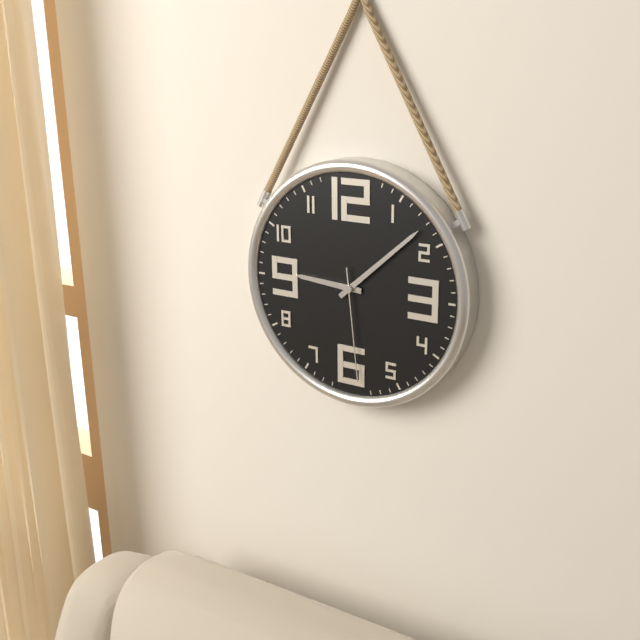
9.08.29
